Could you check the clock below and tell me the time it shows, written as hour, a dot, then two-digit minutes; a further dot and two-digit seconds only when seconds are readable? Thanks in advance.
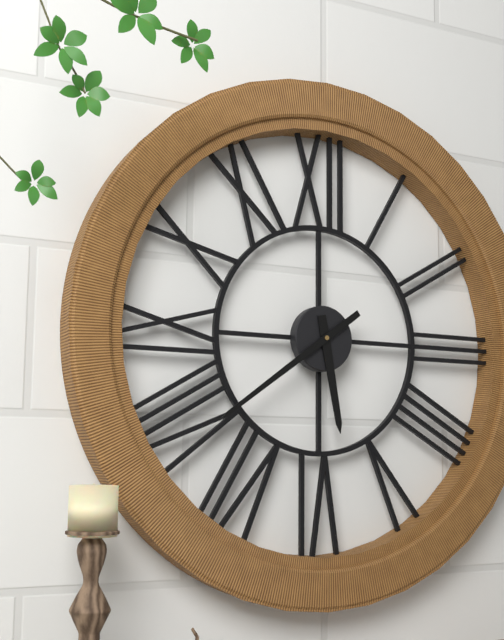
5.39
